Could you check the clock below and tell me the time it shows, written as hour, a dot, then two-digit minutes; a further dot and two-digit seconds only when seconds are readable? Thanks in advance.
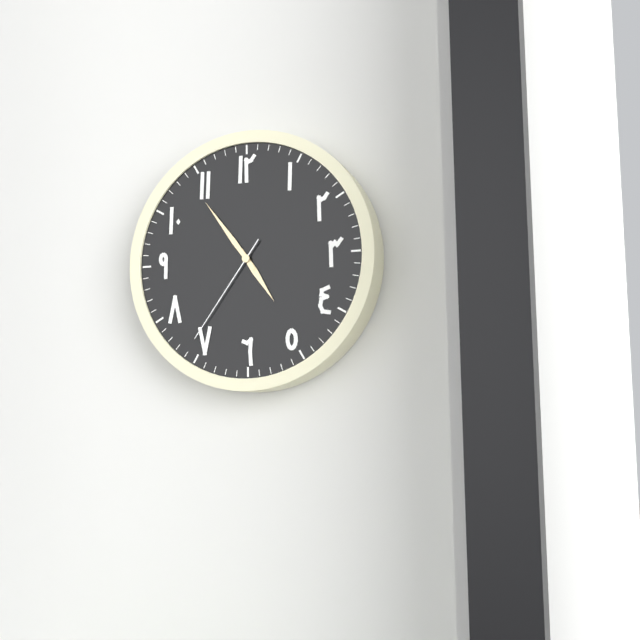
4.54.36
